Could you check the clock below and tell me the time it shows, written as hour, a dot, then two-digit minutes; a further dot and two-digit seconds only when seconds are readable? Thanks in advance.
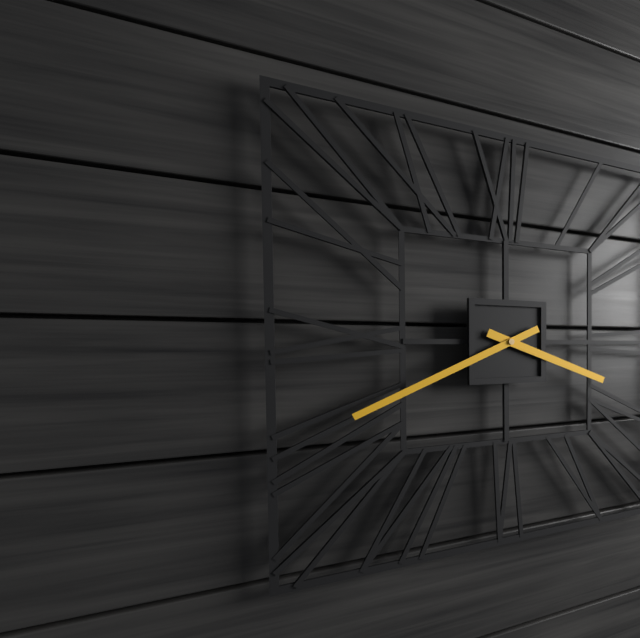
3.41
